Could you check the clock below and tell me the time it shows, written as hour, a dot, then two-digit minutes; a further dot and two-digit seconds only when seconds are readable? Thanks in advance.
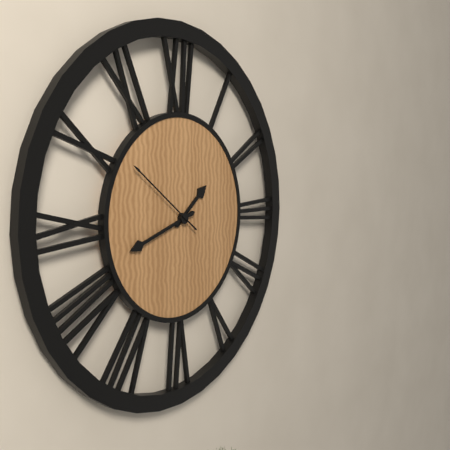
1.42.51
